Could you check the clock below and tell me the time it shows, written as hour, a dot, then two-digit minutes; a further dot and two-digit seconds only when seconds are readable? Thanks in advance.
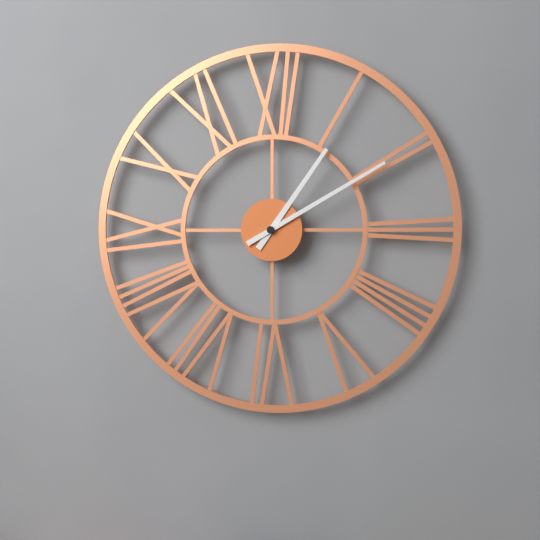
1.10
